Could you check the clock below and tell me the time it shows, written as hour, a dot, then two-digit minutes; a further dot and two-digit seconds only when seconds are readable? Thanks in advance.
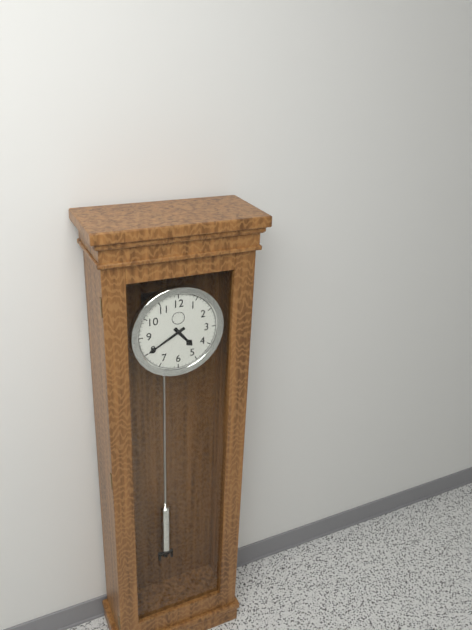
4.40
